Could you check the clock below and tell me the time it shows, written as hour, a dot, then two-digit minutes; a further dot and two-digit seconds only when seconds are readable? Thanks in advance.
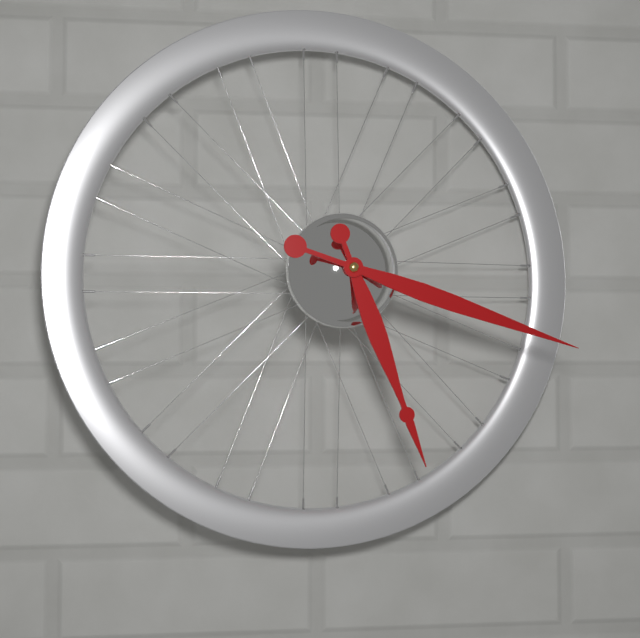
5.18
